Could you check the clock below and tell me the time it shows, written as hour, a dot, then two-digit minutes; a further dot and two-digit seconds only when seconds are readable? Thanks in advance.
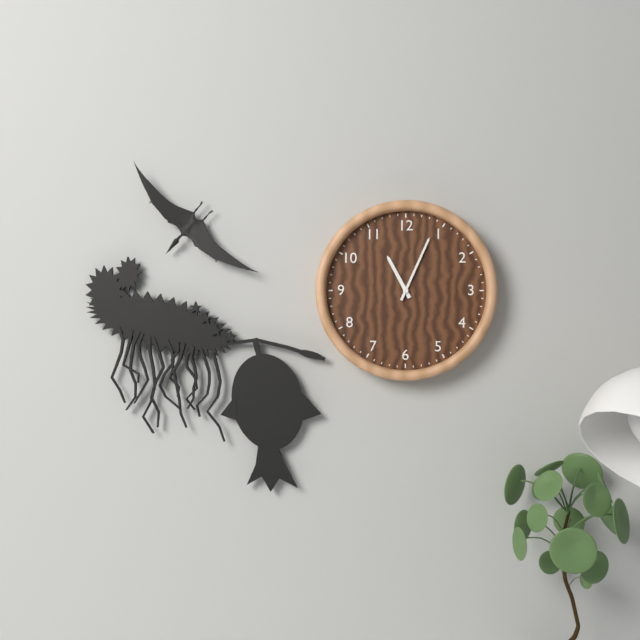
11.04
